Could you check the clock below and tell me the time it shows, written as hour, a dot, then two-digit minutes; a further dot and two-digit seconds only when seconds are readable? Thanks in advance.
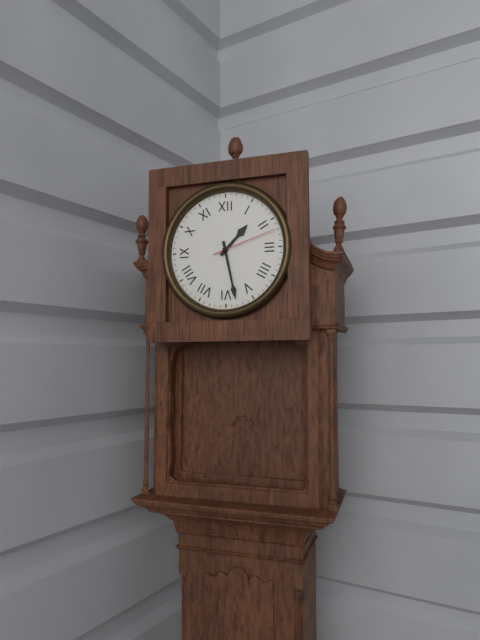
1.28.12
